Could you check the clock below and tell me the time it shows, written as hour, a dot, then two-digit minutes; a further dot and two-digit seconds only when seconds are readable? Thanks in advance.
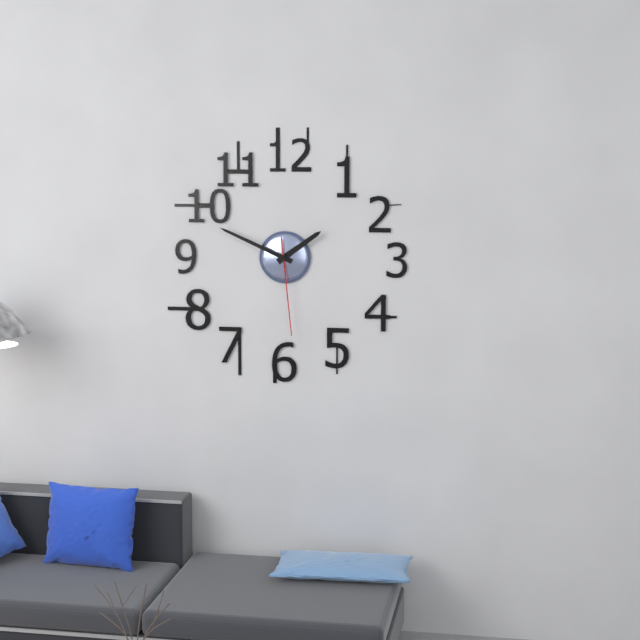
1.49.29
